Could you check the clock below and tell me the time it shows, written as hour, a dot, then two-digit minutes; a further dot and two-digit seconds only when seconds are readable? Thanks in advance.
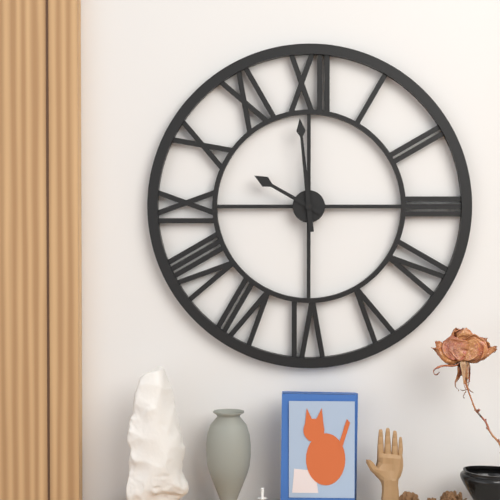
9.59
